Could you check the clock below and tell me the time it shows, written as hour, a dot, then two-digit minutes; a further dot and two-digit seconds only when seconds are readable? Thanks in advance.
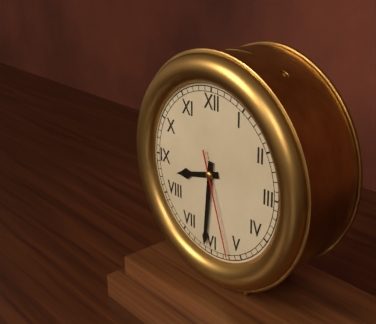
8.31.27
